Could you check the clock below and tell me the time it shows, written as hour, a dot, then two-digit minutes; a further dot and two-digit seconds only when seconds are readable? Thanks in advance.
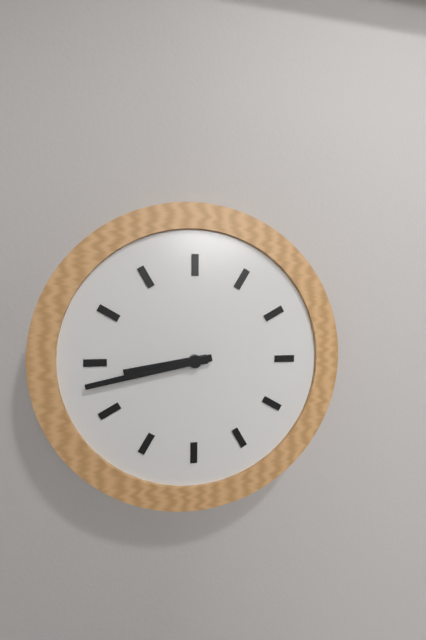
8.43
